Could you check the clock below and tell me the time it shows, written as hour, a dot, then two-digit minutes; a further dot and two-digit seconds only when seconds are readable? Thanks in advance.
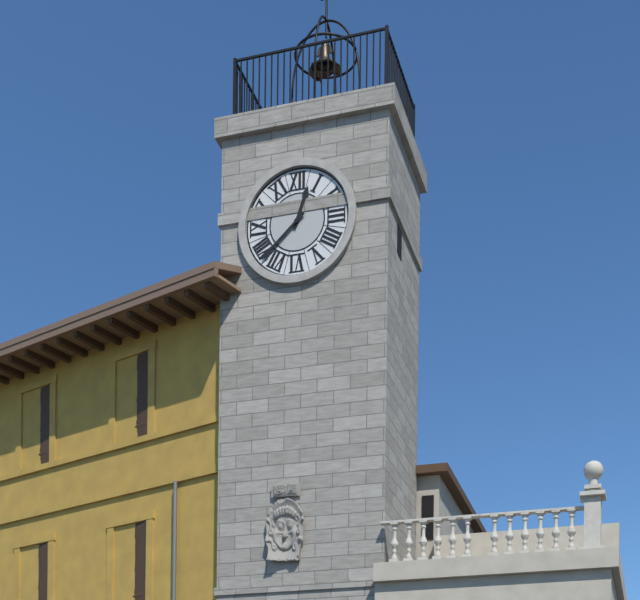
12.38
